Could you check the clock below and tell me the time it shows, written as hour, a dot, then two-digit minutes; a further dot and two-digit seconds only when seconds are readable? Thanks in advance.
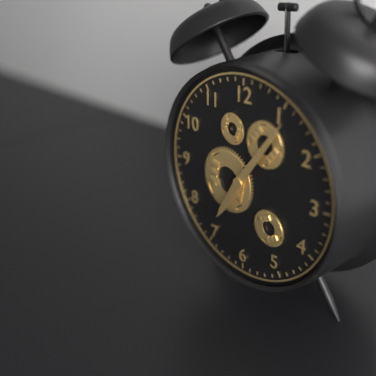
7.06
